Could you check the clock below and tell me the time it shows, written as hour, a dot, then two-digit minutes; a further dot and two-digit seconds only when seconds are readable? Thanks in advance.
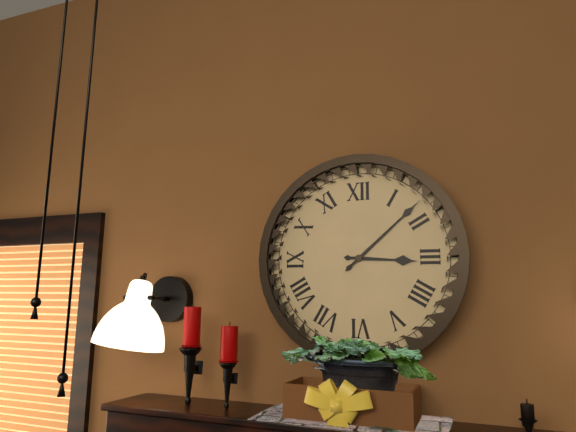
3.08
